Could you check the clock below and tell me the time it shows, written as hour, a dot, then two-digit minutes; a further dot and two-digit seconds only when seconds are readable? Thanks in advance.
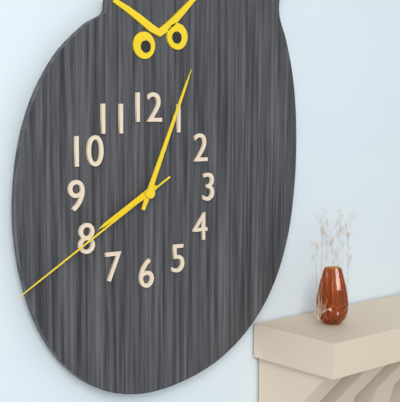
8.04.40
